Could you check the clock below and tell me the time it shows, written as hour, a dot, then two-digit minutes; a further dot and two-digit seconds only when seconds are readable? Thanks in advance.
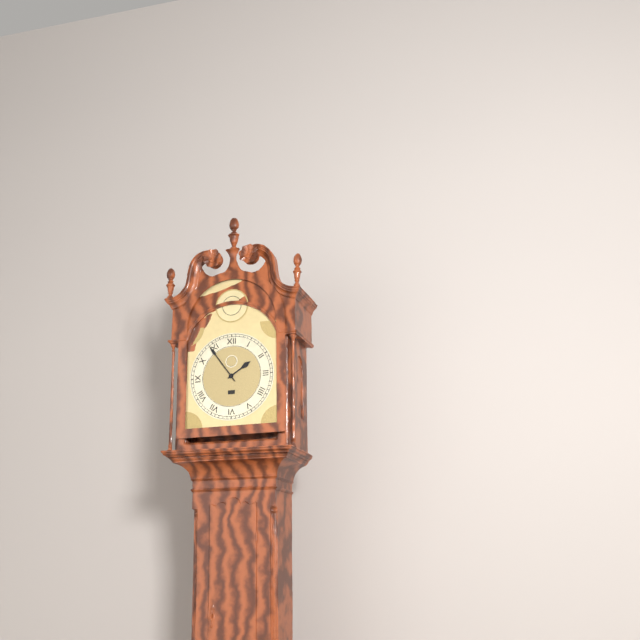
1.54
